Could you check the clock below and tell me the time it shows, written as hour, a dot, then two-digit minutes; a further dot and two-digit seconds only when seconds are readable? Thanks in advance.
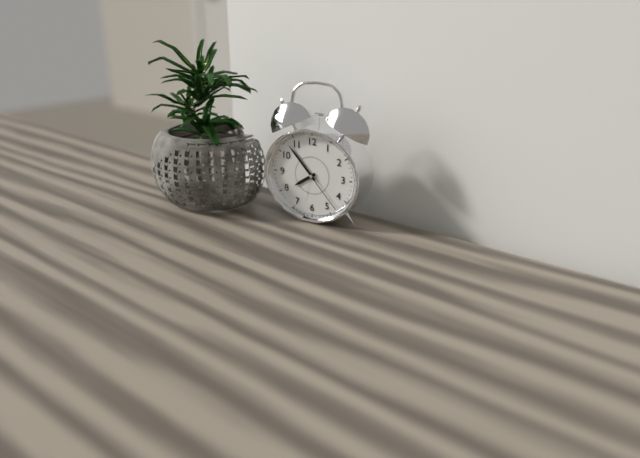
7.53.23
